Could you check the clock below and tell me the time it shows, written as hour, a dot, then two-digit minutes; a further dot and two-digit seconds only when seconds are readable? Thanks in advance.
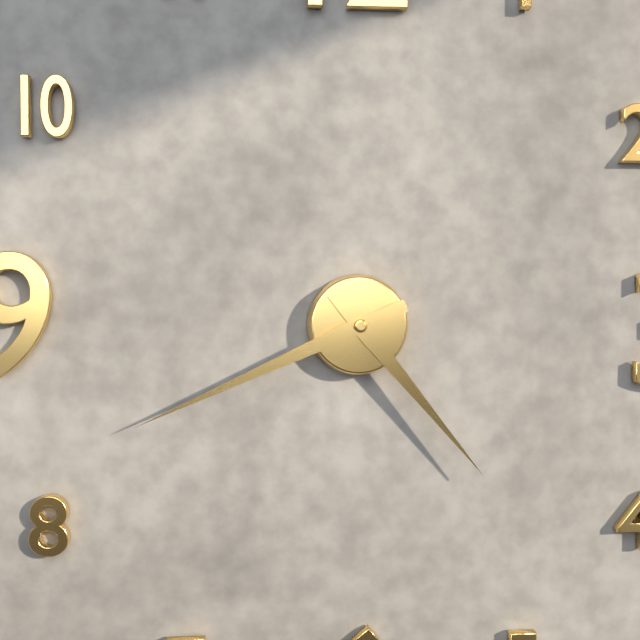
4.41
